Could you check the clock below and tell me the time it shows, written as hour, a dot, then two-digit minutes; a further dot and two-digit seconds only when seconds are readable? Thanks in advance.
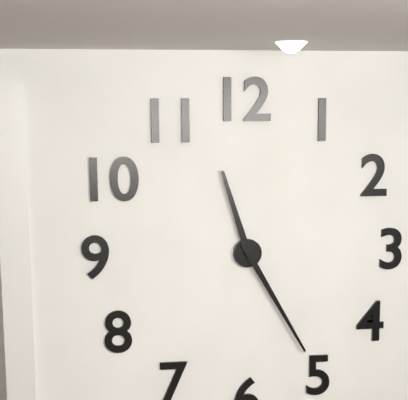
11.25
